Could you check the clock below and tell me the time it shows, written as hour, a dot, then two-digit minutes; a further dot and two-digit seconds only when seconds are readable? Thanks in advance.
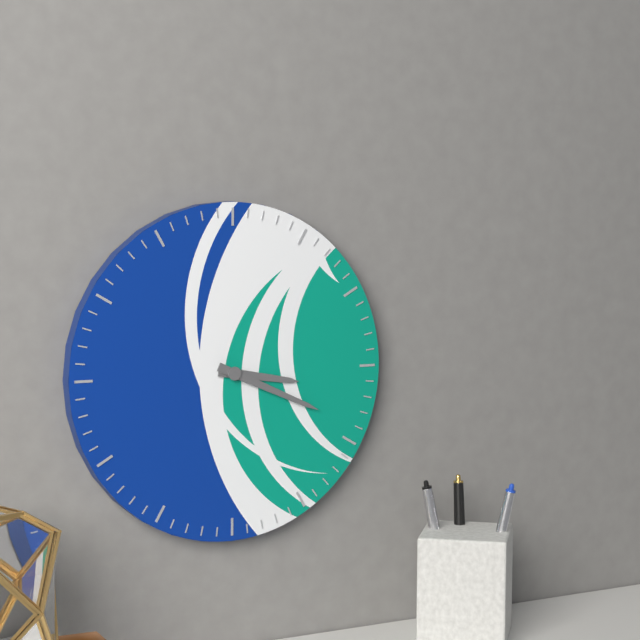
3.19
